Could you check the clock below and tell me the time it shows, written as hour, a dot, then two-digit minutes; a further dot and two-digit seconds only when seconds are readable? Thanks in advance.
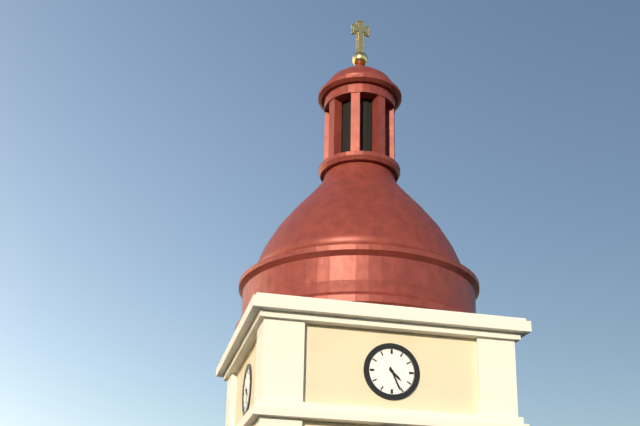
4.26
